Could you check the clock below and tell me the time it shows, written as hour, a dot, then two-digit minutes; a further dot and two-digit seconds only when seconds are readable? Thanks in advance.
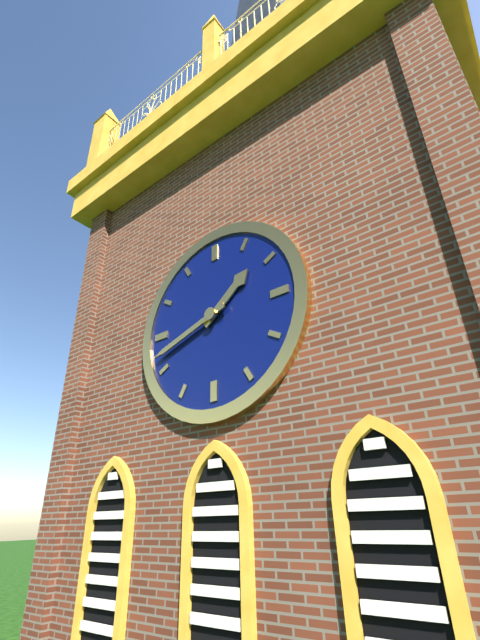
1.42
